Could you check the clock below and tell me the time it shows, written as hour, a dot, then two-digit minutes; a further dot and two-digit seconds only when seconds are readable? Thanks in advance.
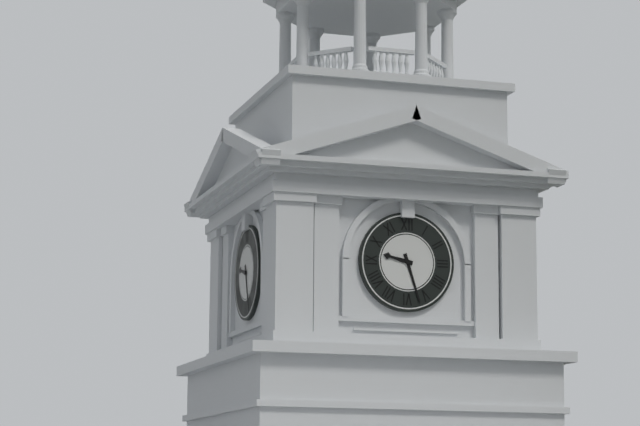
9.27
